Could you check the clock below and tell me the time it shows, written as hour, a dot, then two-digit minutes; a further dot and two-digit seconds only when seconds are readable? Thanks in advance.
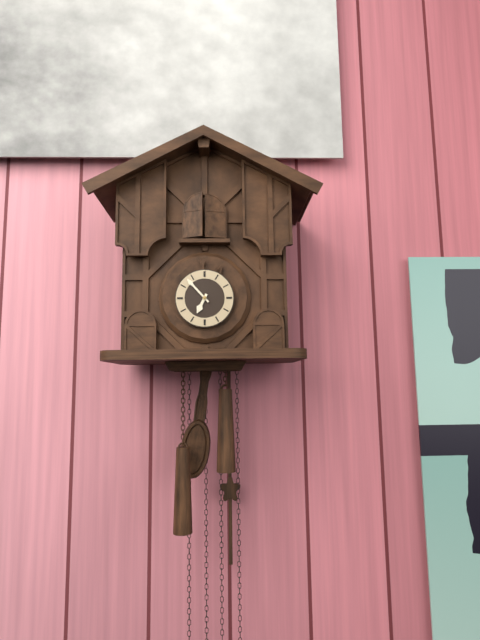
6.53
